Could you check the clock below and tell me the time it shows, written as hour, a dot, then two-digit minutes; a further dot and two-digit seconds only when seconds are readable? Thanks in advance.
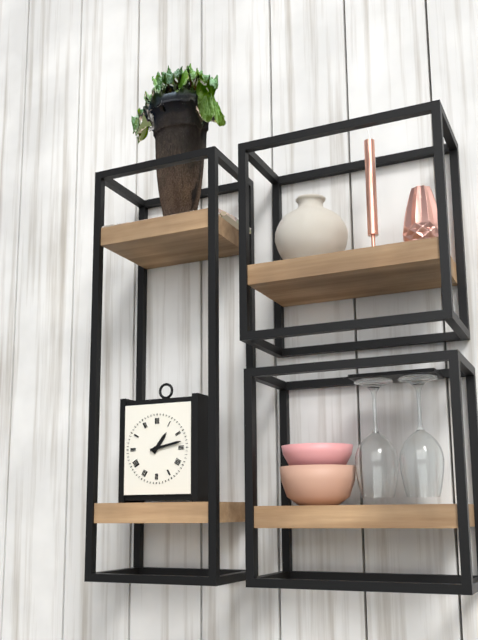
1.13
